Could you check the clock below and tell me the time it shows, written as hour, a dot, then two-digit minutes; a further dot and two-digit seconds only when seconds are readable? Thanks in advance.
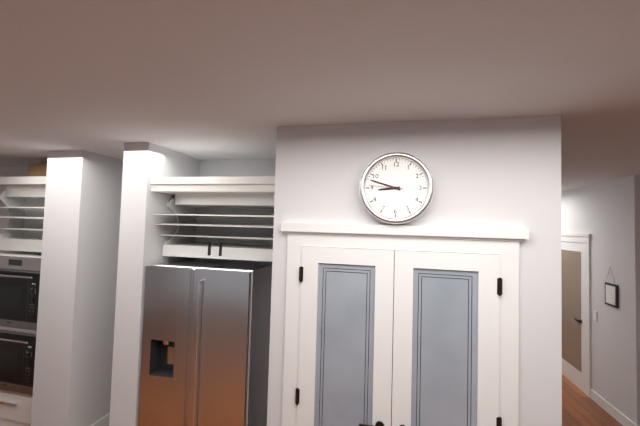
8.48
